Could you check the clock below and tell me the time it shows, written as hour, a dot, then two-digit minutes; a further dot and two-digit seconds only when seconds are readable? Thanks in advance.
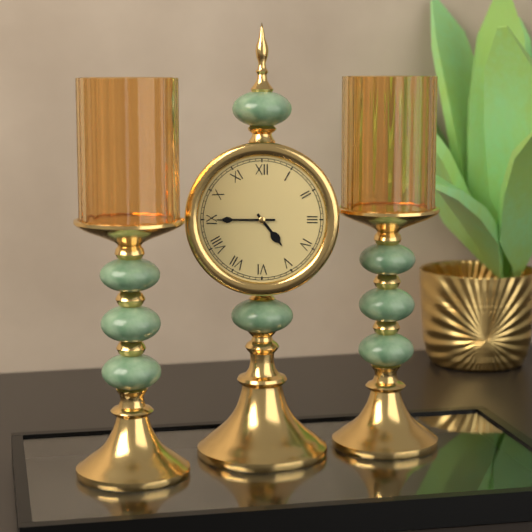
4.45
